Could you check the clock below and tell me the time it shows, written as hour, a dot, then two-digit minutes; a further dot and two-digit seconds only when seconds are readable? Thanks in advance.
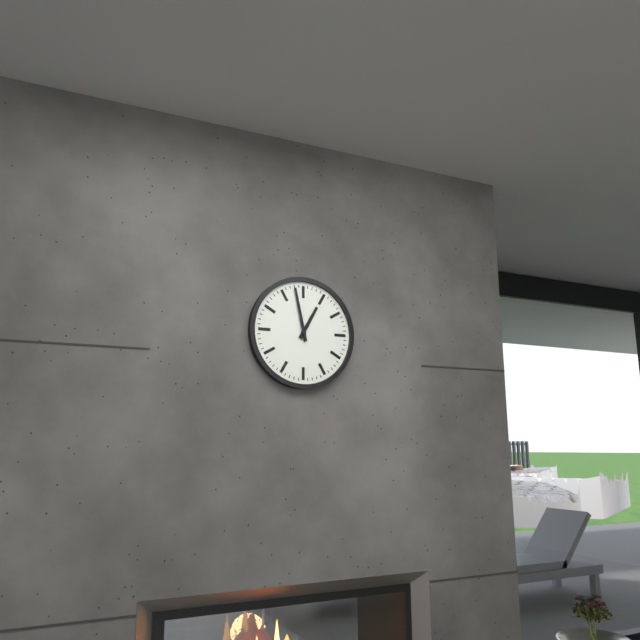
12.58
